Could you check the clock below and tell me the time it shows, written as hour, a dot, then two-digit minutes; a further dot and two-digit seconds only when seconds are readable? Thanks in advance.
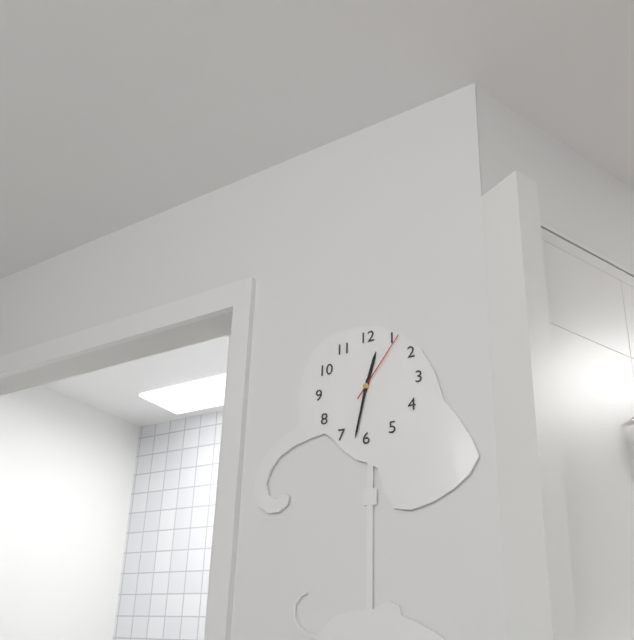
12.32.06
